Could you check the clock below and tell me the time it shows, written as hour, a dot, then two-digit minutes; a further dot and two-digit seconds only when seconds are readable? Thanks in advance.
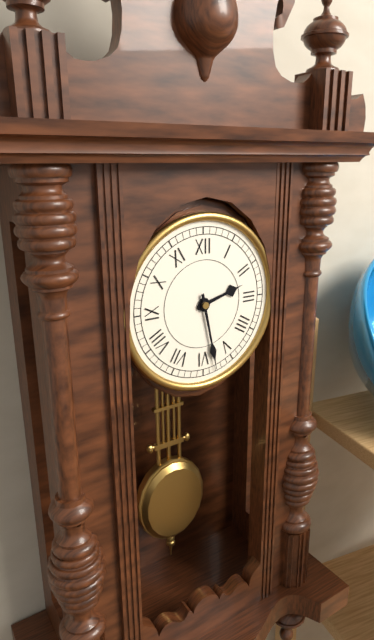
2.28
